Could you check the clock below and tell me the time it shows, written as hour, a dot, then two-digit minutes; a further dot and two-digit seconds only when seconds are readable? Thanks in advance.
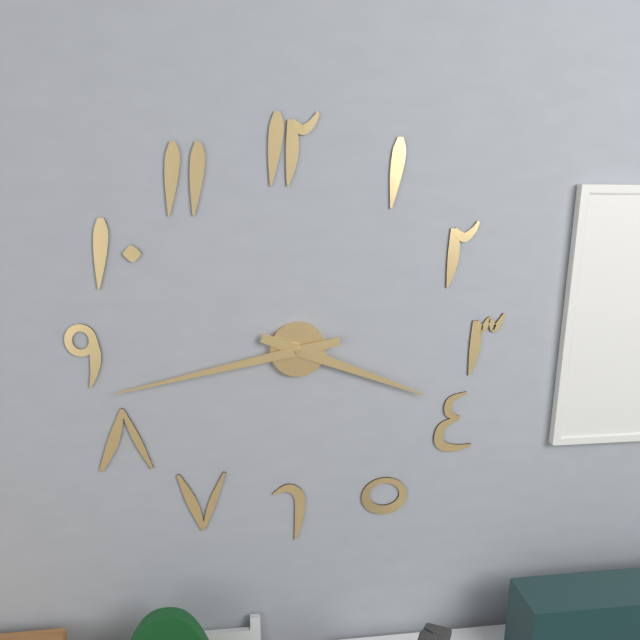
3.43
